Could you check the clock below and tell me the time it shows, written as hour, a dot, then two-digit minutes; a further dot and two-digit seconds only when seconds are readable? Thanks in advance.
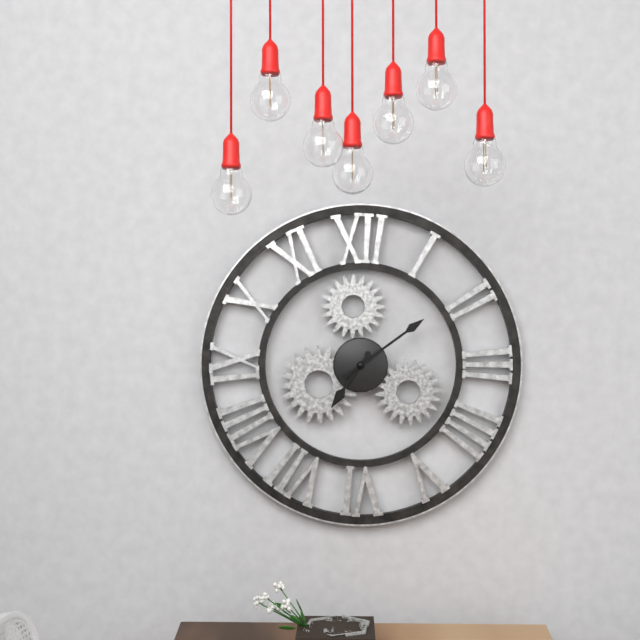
7.09
